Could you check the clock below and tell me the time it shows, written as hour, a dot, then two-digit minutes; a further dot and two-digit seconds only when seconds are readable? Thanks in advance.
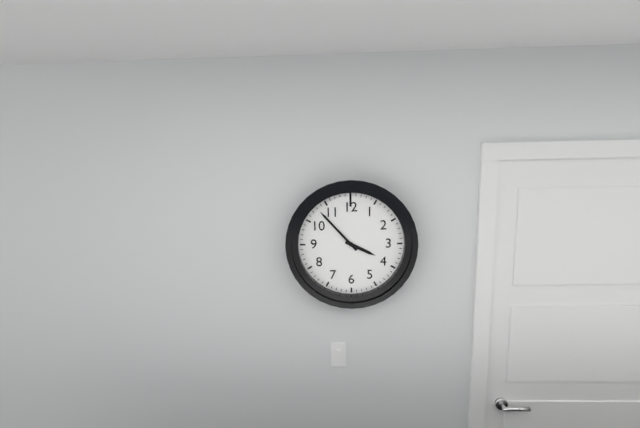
3.53
